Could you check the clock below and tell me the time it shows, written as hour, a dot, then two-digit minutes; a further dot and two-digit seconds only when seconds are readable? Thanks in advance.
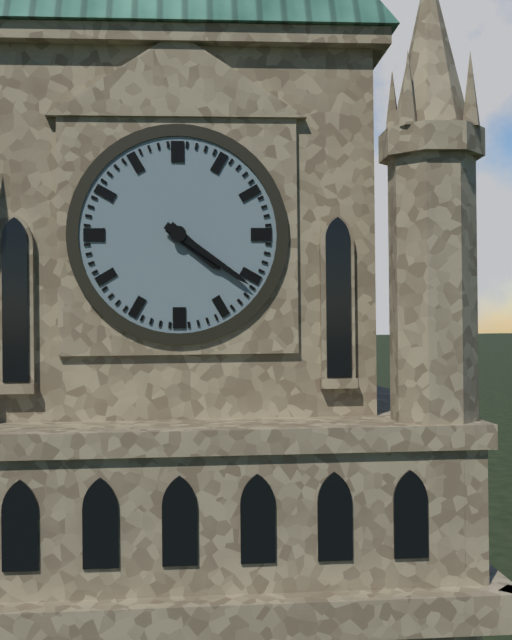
4.21
